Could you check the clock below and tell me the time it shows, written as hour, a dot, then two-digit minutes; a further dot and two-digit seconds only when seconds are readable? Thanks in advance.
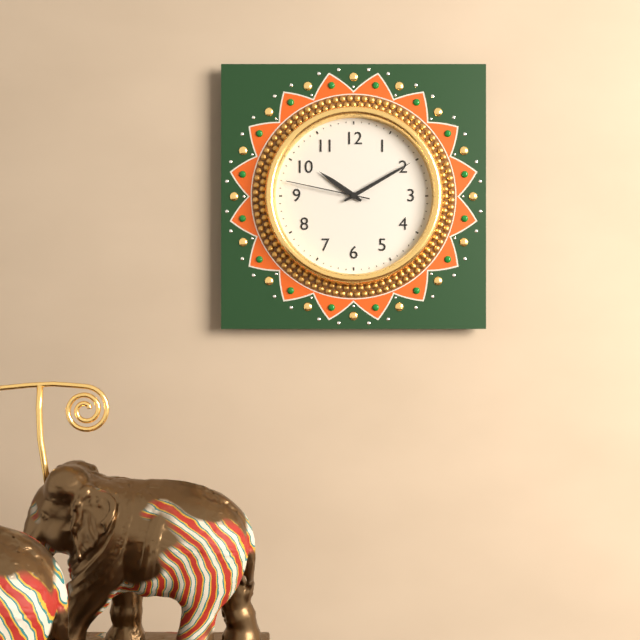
10.10.47
